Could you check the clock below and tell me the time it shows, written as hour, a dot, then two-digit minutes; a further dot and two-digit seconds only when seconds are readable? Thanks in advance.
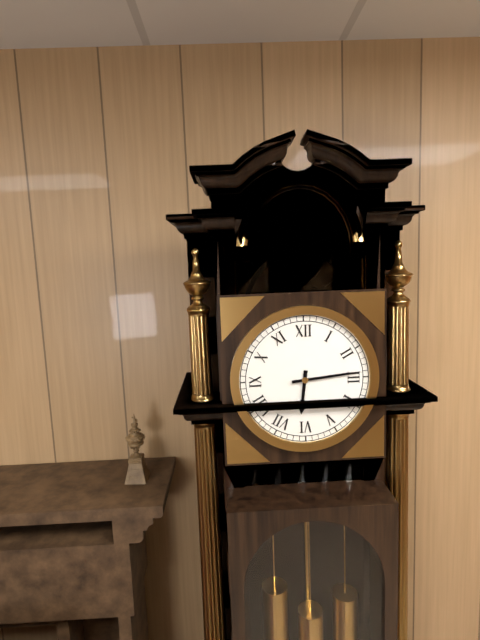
6.14
